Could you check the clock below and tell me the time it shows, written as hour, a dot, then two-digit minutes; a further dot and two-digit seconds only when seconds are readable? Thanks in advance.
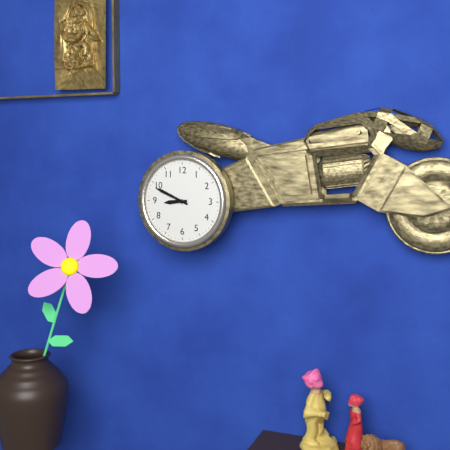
8.49
